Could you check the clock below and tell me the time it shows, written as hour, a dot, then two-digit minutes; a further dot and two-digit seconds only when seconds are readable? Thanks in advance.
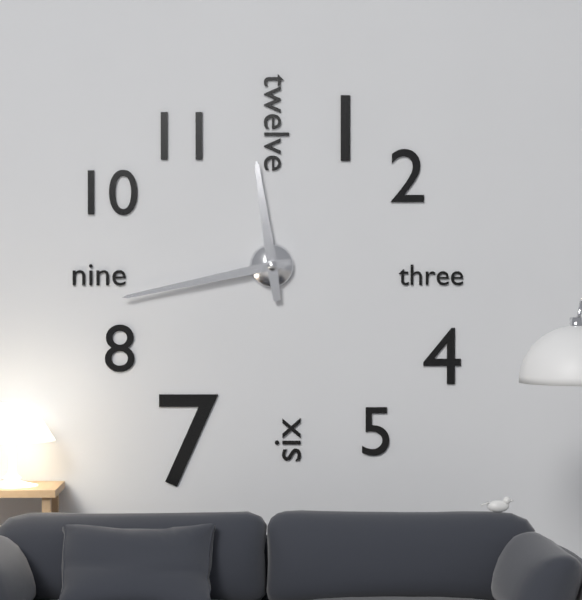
11.43
